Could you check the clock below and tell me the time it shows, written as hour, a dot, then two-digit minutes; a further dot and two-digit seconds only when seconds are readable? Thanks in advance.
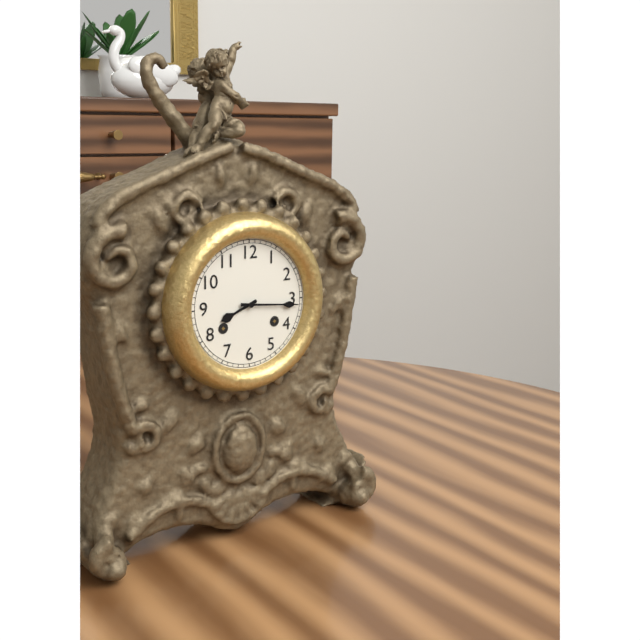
8.16
